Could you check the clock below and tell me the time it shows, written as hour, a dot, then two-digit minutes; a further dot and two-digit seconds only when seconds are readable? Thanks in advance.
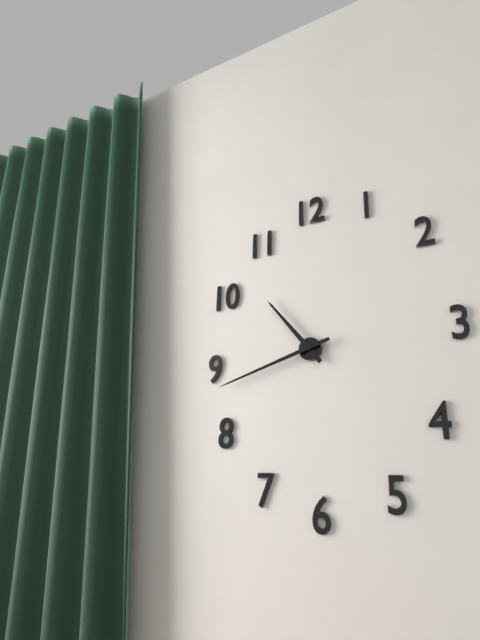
10.42
